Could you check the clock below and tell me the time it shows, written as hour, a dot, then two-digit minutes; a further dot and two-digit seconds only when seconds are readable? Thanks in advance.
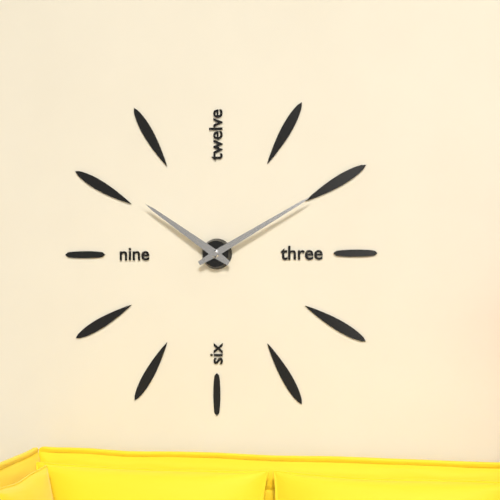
10.10
